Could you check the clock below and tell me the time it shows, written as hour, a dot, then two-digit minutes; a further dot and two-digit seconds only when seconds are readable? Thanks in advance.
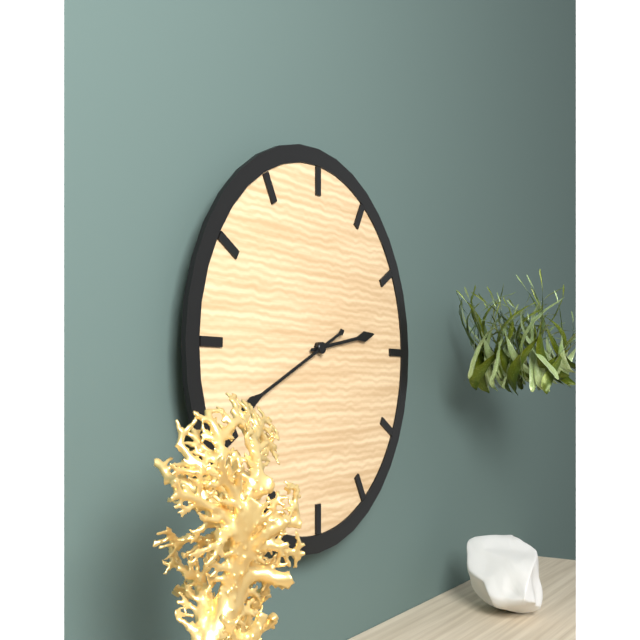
2.41
